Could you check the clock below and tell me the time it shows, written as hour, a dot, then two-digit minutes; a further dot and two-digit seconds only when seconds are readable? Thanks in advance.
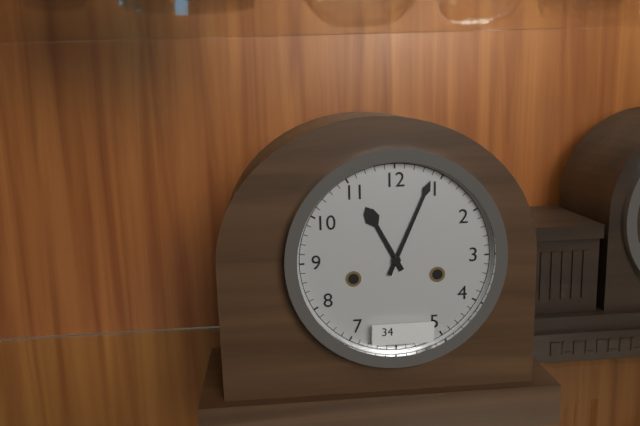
11.04
